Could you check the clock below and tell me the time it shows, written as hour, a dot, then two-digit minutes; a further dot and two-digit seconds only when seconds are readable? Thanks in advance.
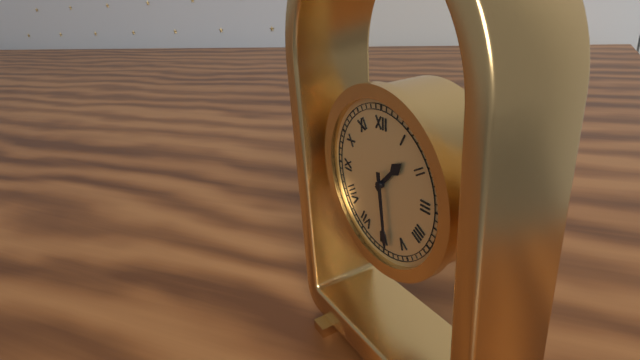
1.29
